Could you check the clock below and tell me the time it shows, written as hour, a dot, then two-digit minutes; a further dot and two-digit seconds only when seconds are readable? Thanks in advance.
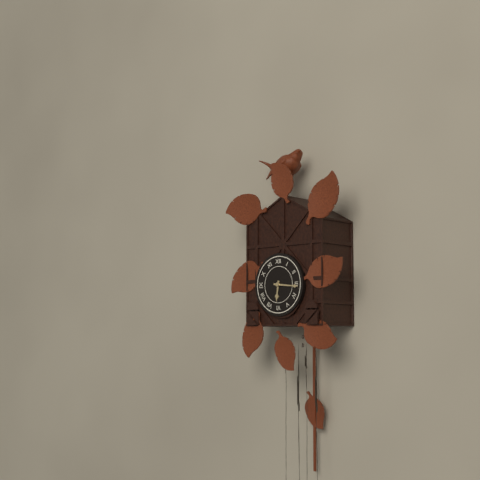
6.16
